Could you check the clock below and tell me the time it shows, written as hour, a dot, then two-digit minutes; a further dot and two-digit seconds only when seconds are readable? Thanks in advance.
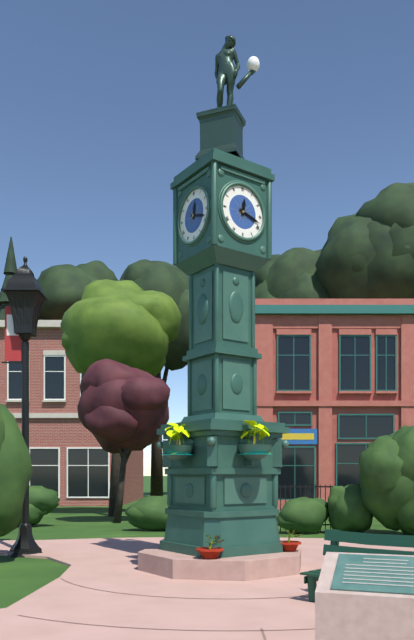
12.18
